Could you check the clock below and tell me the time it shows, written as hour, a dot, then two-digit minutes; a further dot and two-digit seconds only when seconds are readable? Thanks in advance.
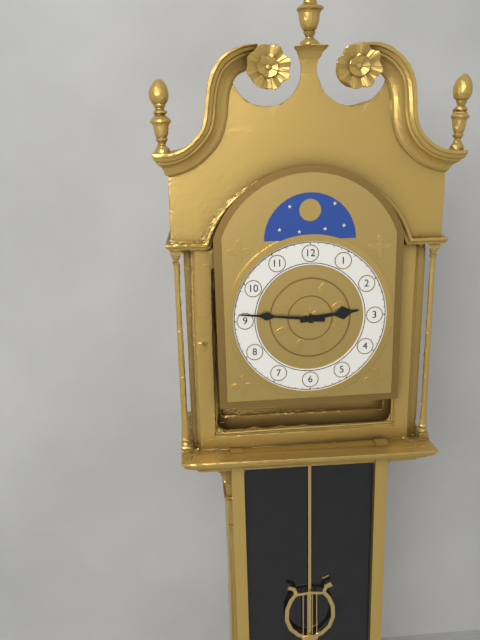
2.46
